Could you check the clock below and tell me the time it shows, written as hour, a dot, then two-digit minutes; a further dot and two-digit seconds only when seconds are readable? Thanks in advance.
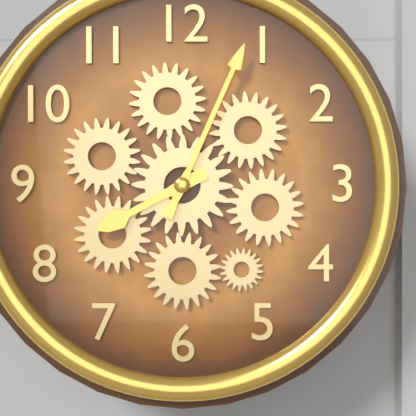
8.04
